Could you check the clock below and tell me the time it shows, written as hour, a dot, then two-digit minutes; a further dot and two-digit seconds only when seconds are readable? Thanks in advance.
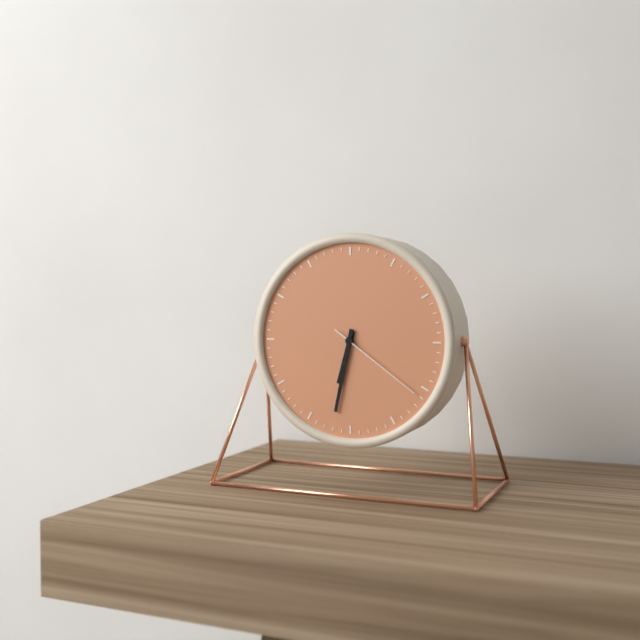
6.32.21
